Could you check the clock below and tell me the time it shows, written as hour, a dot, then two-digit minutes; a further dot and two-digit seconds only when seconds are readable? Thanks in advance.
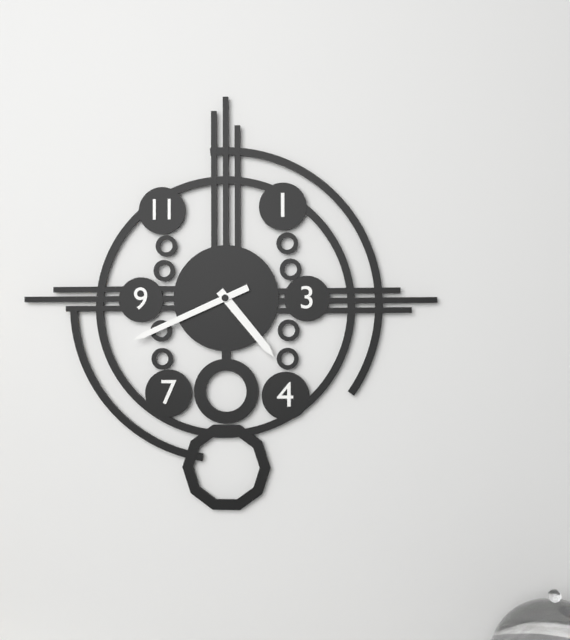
4.41
